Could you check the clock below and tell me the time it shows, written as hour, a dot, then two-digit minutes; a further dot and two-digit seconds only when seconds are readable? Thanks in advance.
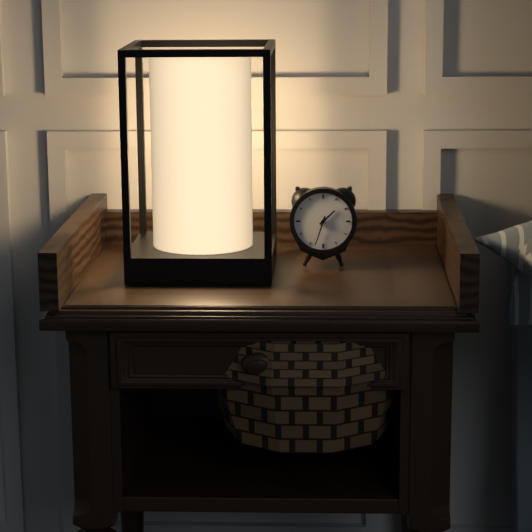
1.33
